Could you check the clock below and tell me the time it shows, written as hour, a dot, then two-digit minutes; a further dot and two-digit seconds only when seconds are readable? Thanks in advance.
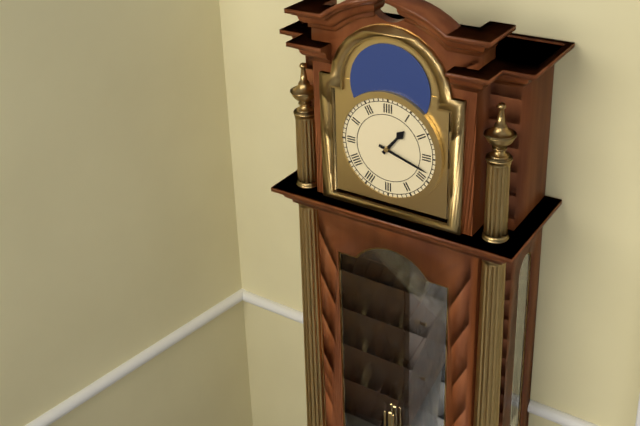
1.18
